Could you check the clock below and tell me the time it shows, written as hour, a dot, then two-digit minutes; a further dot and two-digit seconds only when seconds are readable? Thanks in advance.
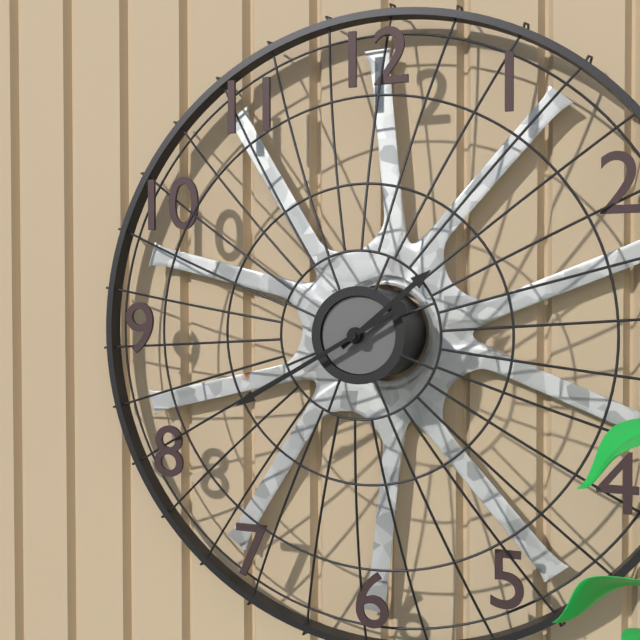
1.40
